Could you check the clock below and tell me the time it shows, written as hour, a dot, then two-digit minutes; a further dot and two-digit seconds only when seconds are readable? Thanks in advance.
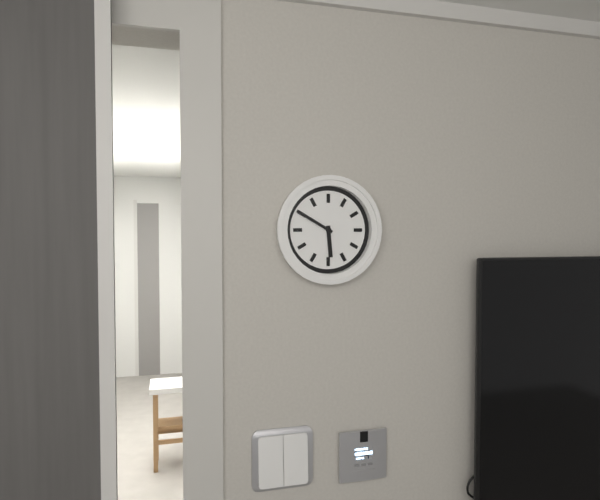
5.50
